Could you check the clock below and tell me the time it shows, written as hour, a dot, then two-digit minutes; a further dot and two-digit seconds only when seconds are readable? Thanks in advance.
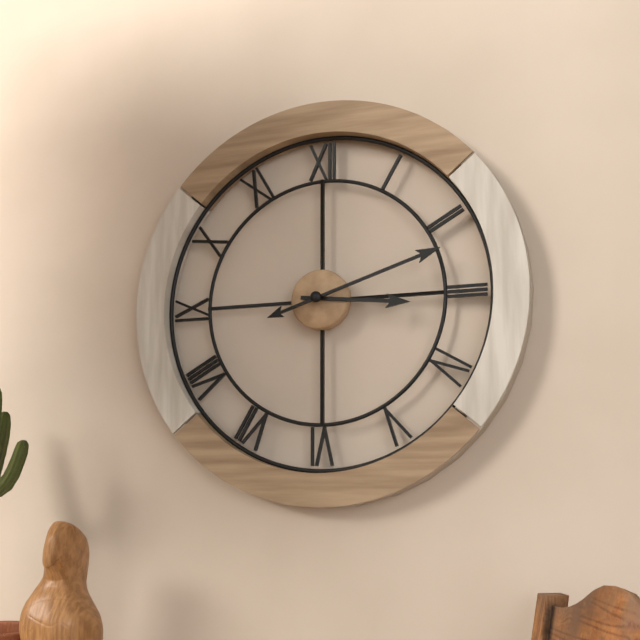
3.12
